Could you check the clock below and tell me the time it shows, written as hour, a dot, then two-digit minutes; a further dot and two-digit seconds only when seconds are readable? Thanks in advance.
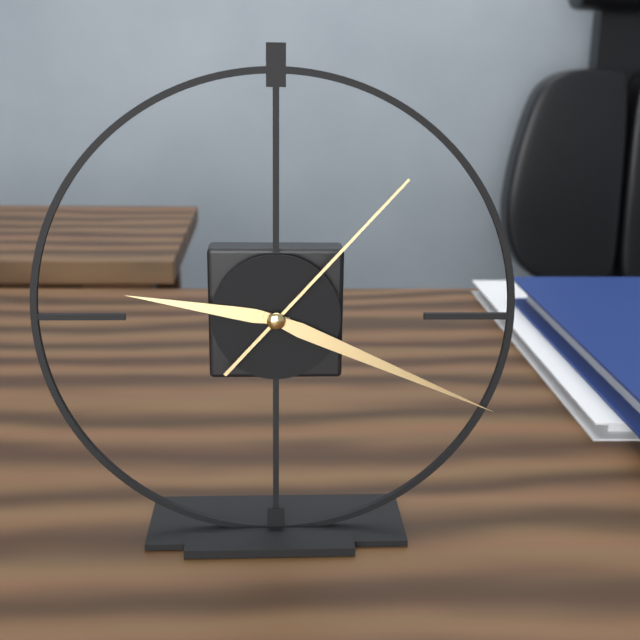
9.19.07
